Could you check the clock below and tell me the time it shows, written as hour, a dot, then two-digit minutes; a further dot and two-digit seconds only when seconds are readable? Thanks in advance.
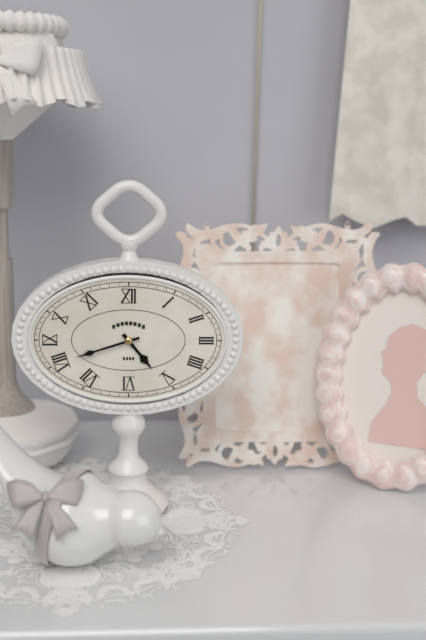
4.42
